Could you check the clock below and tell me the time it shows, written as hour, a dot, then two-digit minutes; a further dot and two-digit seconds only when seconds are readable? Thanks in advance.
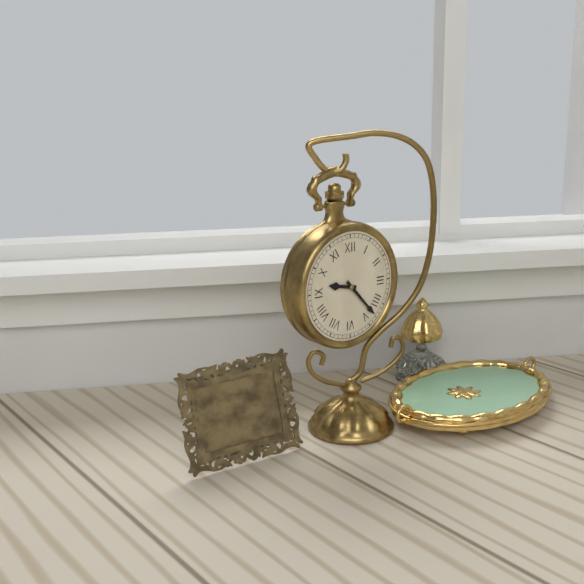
9.23
